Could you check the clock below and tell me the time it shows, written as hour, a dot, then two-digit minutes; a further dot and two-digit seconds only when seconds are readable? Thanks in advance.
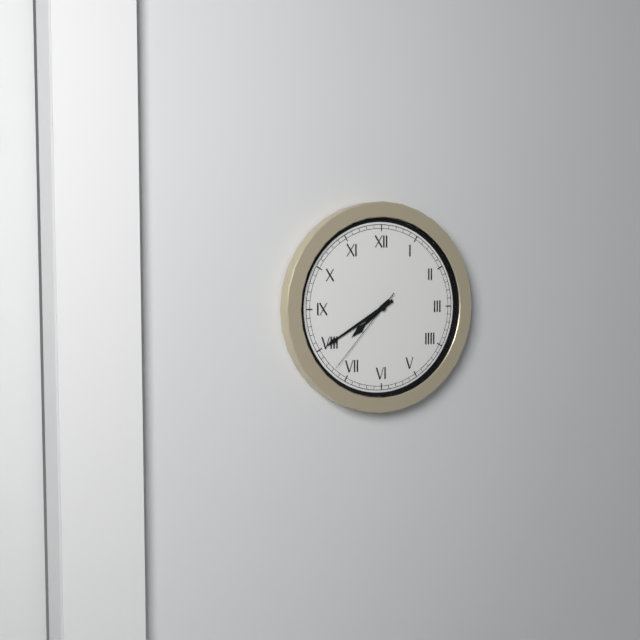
7.40.37
